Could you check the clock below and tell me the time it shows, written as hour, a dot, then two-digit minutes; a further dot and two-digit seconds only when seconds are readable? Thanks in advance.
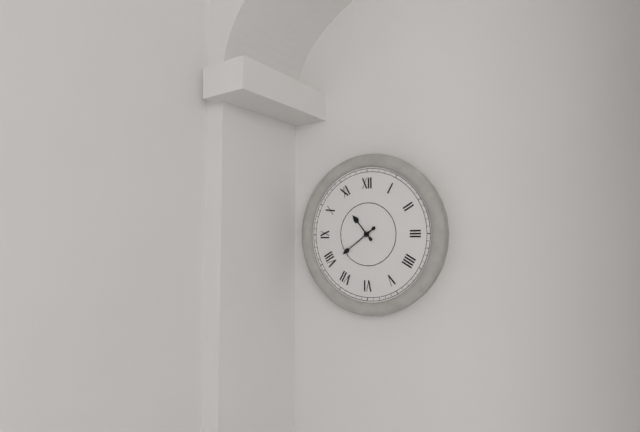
10.39
